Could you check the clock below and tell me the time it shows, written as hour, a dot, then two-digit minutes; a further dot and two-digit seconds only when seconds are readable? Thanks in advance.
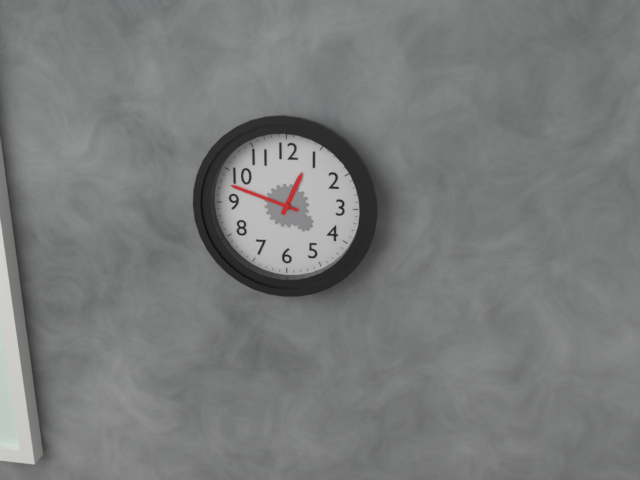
12.48
